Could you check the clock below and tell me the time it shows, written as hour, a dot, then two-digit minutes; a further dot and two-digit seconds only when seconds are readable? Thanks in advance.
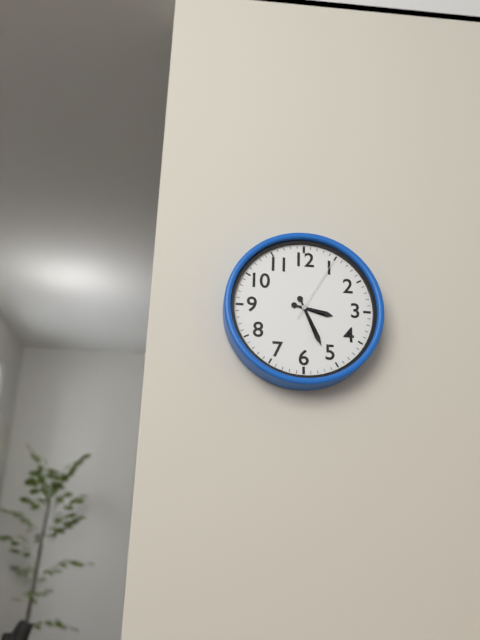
3.26.05
